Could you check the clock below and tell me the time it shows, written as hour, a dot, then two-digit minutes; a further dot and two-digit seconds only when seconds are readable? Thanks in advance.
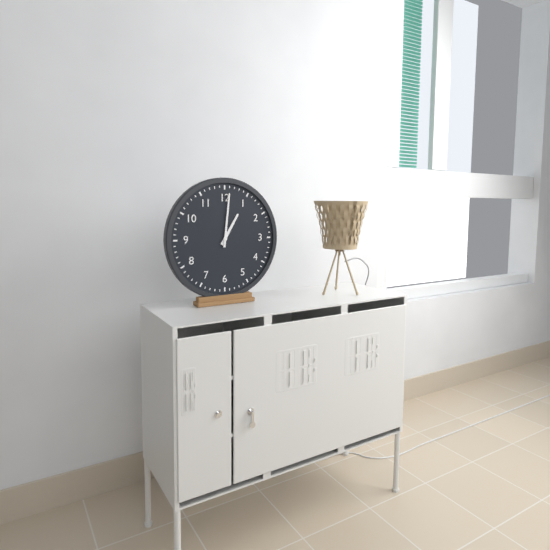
1.01
